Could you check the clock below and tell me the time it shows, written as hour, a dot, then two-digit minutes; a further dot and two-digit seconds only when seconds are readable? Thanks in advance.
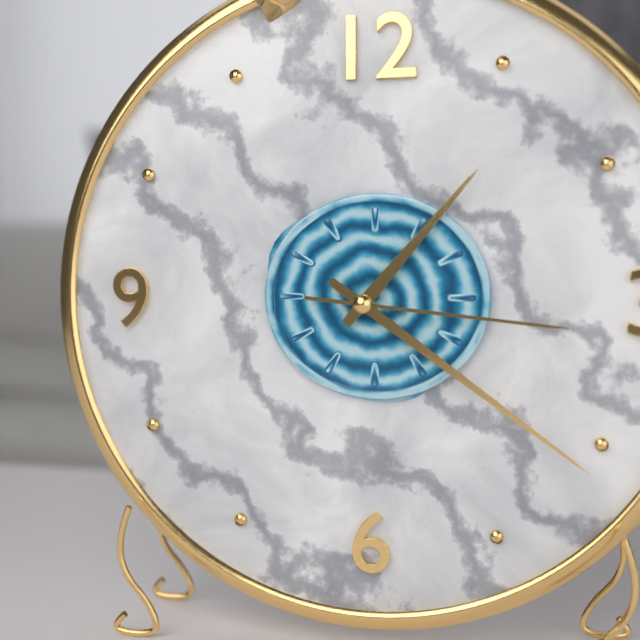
1.21.16
